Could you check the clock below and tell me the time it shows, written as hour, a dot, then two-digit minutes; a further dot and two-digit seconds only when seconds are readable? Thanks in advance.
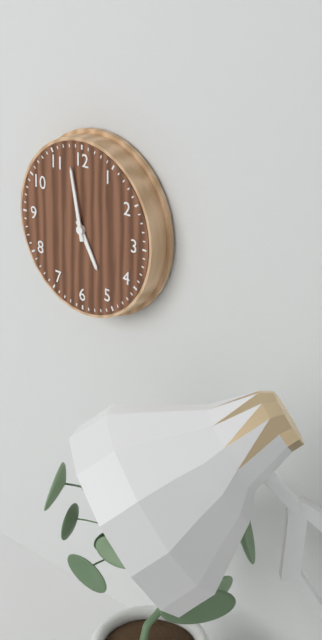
4.58
